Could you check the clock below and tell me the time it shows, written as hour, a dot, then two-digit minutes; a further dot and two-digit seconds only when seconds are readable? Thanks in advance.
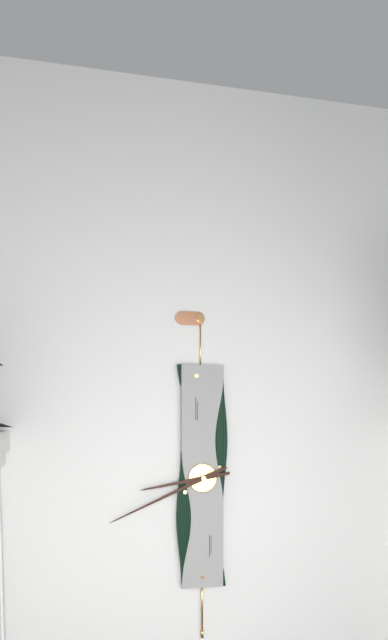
8.41
